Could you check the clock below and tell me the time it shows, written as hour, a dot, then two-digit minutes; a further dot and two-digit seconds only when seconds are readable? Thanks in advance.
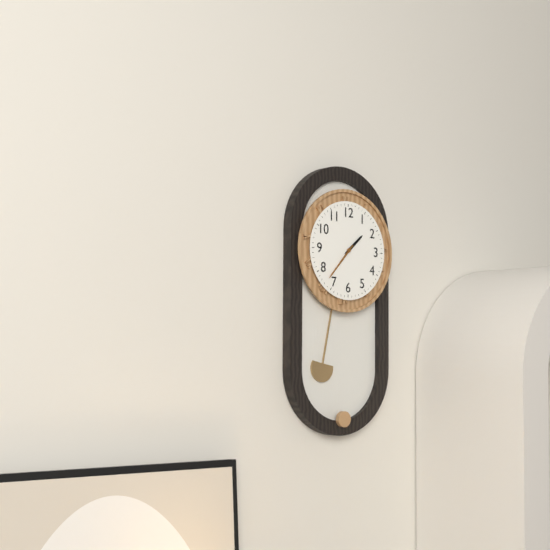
1.37
